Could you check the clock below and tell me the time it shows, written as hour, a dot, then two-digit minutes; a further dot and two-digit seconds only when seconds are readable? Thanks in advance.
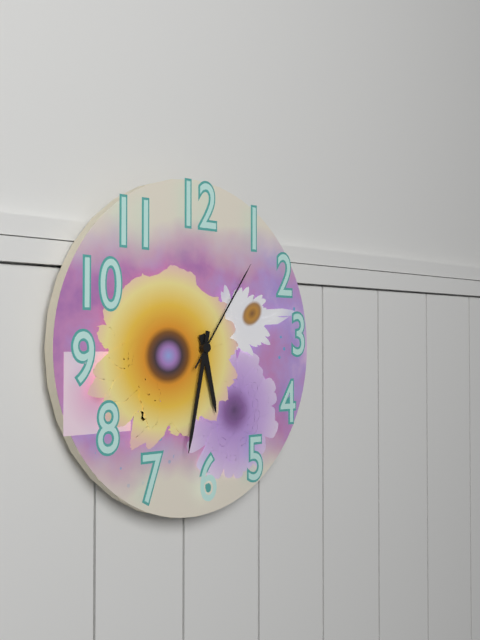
5.32.06
